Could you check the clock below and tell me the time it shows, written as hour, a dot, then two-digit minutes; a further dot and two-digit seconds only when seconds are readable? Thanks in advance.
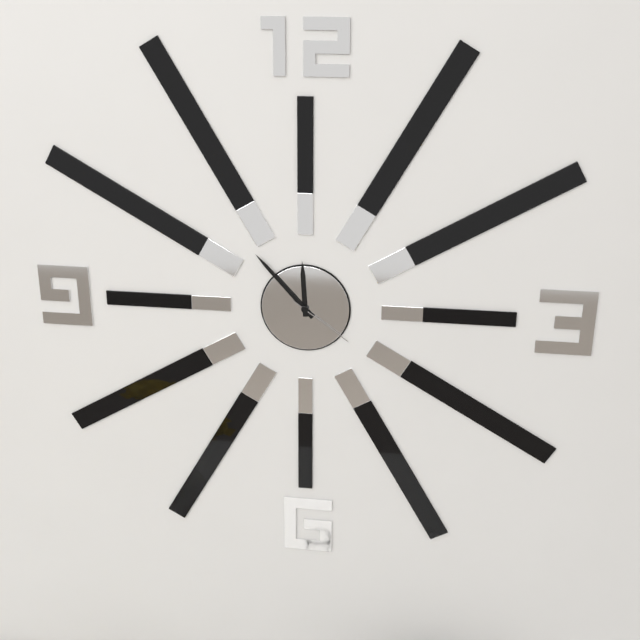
11.53.21
